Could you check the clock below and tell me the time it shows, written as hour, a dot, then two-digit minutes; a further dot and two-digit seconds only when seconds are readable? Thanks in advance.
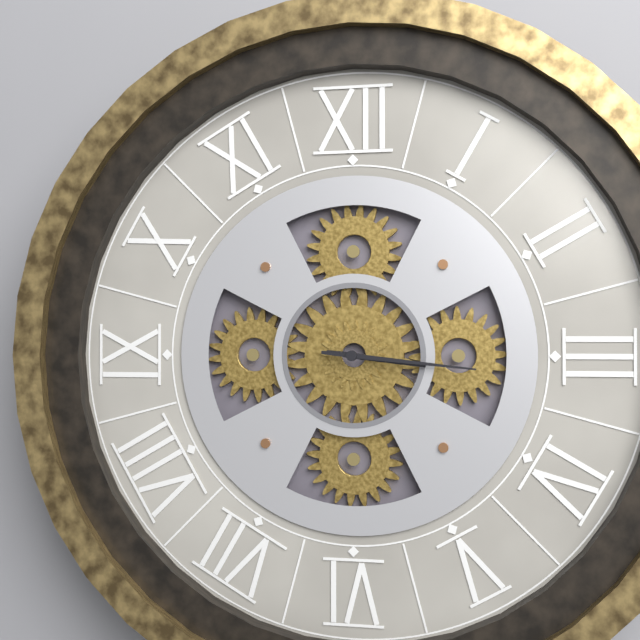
3.16
